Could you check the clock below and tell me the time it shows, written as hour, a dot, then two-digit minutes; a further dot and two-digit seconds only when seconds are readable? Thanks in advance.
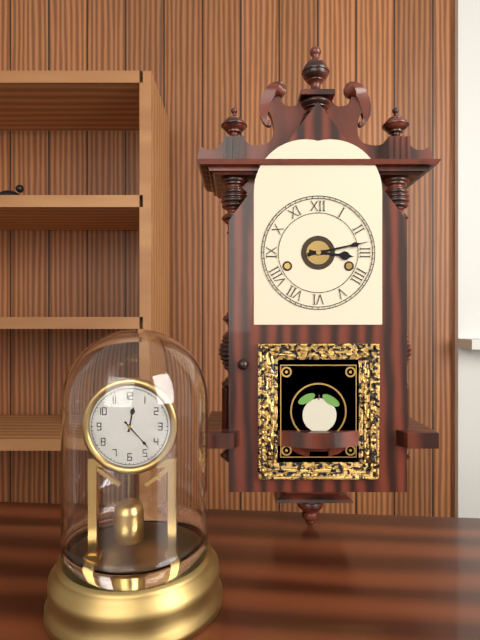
3.13
